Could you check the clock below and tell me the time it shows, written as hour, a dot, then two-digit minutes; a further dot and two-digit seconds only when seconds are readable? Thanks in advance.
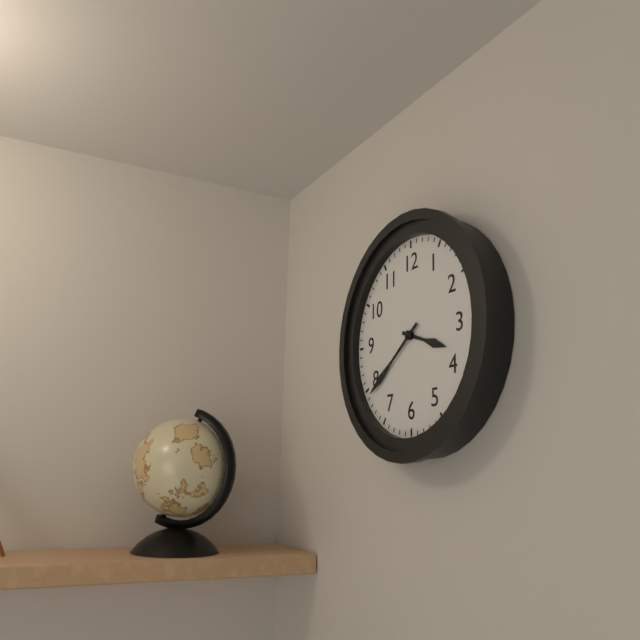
3.39
